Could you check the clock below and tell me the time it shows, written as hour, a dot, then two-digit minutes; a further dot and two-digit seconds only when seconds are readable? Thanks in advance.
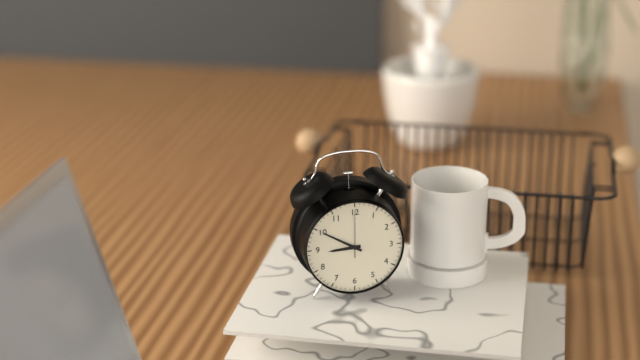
8.50
